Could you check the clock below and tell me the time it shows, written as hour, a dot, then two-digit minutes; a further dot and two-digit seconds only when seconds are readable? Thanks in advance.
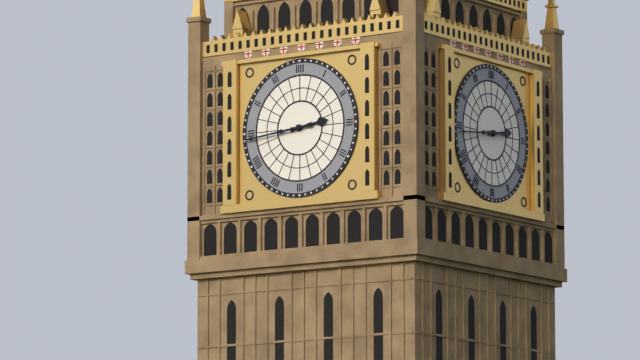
2.44
